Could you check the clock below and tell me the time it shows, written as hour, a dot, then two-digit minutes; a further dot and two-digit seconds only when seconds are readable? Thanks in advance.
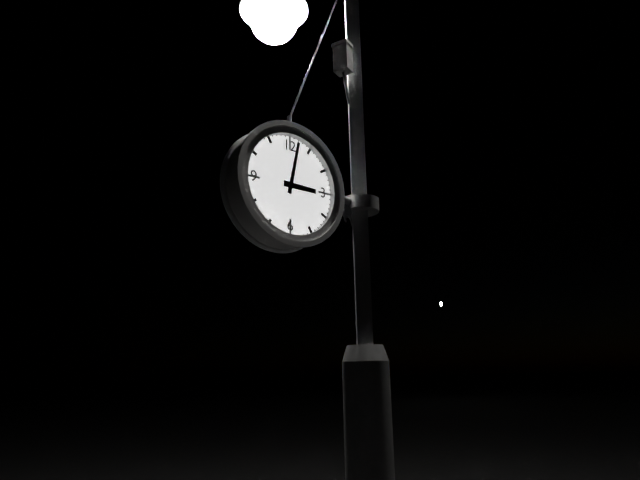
3.02
